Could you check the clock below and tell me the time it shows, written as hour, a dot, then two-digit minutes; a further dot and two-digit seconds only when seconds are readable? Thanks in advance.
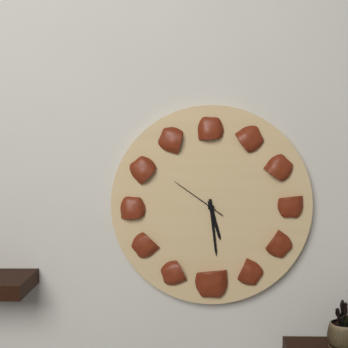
5.29.51
